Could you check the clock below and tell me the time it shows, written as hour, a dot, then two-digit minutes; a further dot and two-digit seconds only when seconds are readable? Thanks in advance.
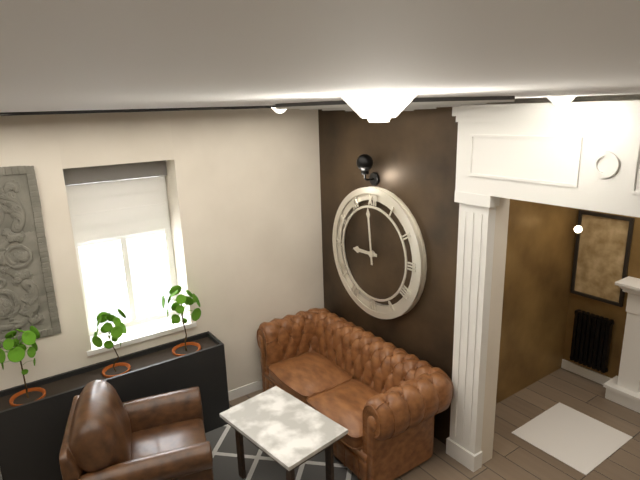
8.59
